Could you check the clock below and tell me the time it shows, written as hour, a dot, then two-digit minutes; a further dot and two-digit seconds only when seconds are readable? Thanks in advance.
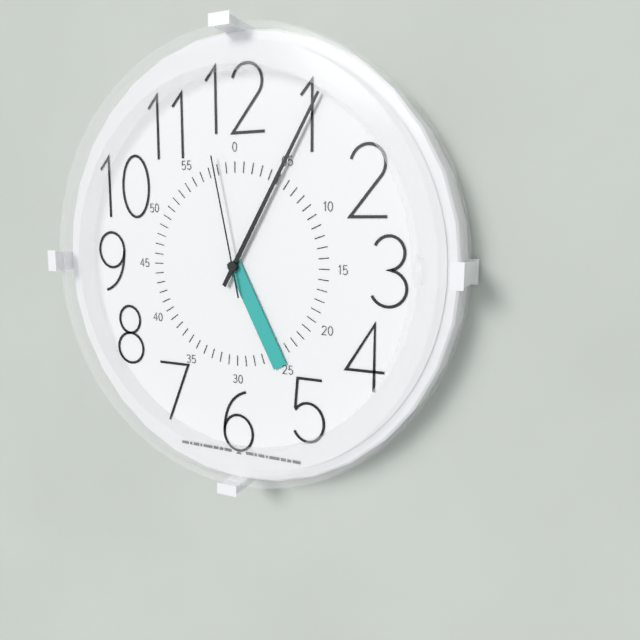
5.05.58
